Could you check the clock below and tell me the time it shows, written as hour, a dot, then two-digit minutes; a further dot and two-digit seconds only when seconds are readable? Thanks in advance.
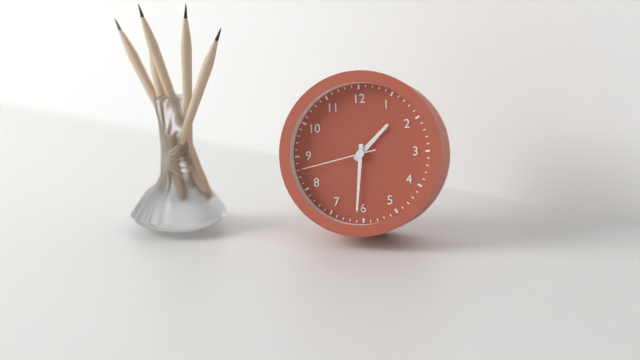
1.31.43
